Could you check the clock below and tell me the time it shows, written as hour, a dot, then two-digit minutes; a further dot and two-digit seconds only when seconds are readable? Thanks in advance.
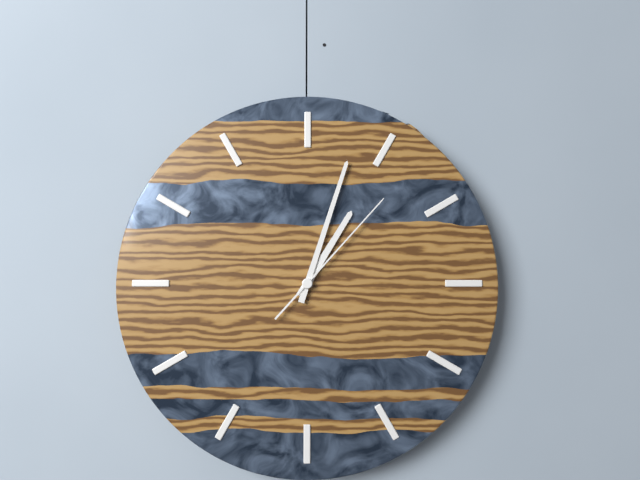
1.03.07
